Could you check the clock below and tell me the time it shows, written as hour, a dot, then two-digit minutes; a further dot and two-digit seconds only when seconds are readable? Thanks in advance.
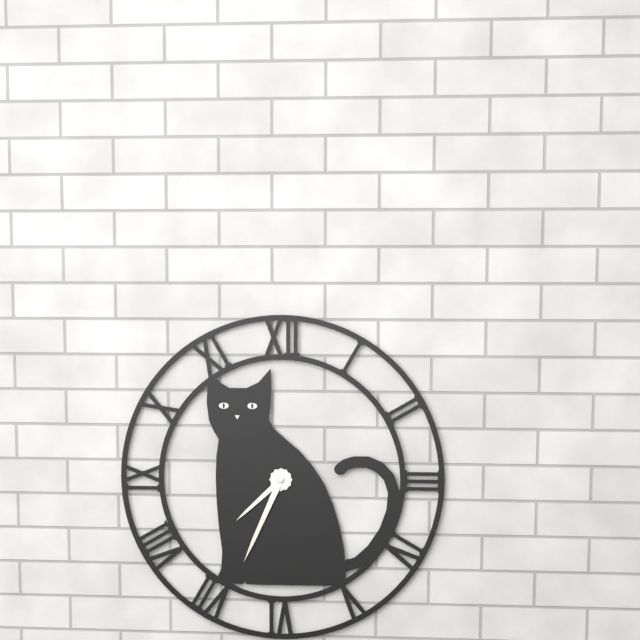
7.34
